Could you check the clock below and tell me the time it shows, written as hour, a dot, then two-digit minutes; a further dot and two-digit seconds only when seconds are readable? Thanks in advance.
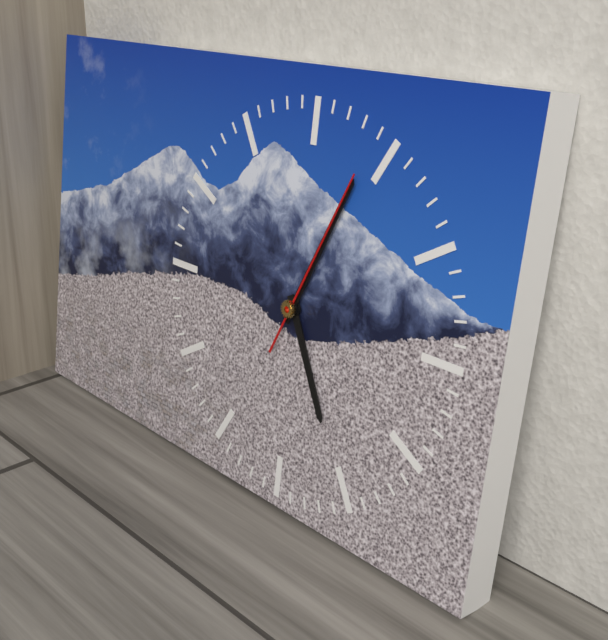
5.04.04
